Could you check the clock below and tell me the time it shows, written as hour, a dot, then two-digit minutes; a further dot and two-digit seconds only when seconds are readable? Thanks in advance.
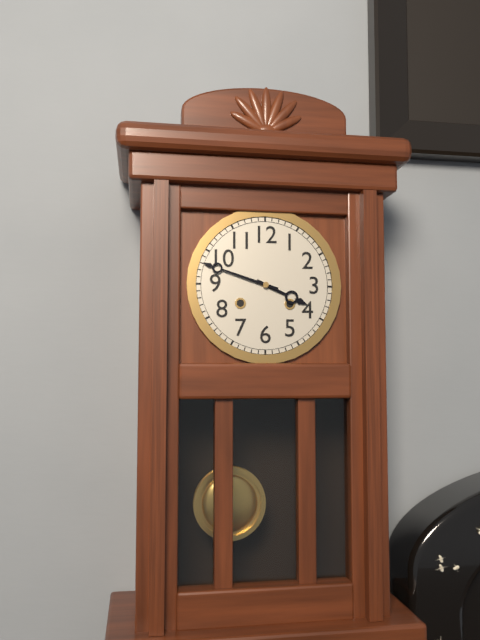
3.48
